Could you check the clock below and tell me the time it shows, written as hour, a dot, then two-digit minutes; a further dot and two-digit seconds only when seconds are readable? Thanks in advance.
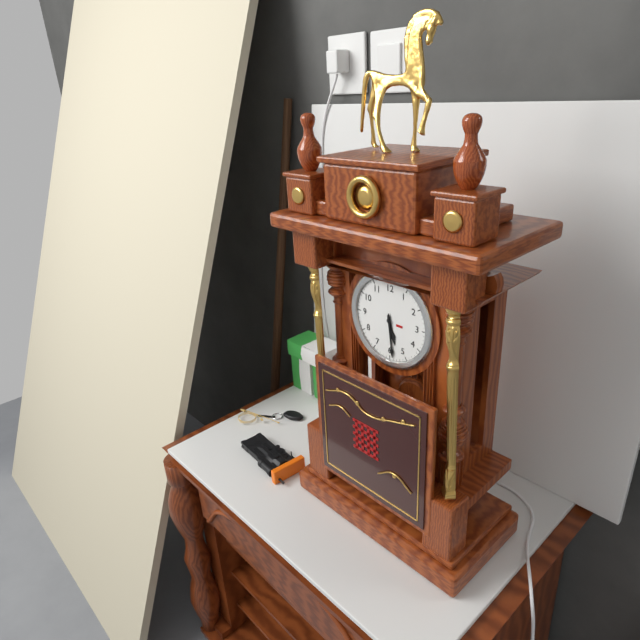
5.29
